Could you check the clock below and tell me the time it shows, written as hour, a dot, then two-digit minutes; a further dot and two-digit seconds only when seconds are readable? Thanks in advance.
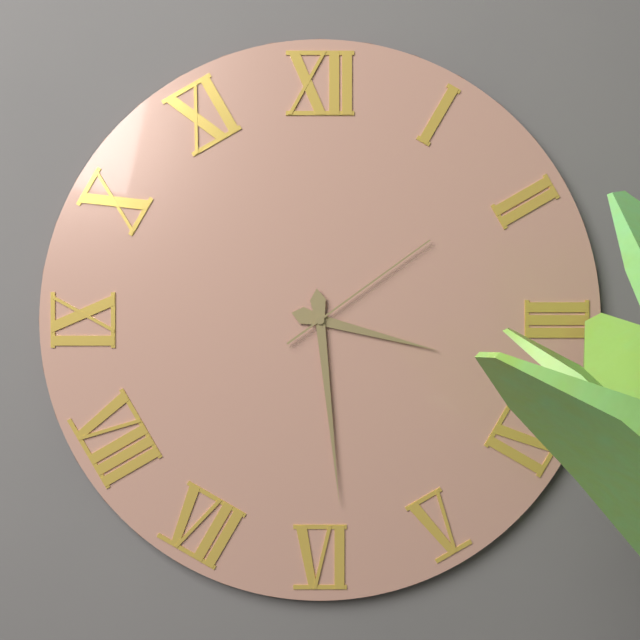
3.29.09
